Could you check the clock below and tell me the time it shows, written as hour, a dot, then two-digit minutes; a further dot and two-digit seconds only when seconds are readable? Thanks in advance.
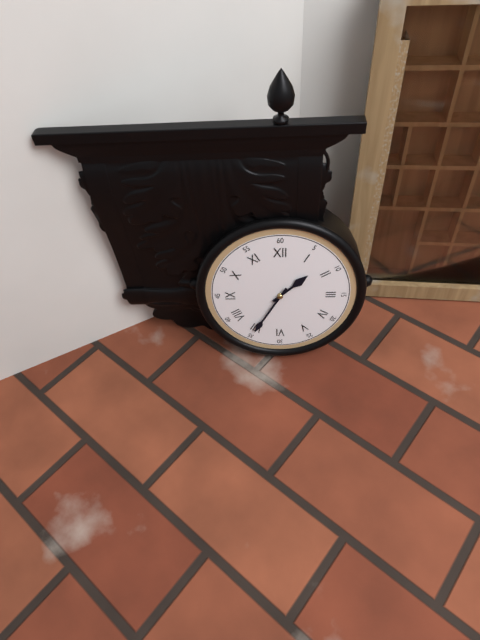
1.35
